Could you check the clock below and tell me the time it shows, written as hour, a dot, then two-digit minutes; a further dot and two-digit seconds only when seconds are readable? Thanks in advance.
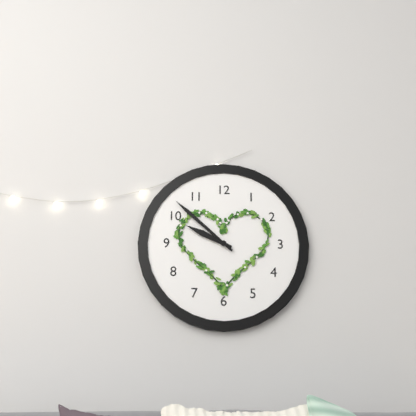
9.52
